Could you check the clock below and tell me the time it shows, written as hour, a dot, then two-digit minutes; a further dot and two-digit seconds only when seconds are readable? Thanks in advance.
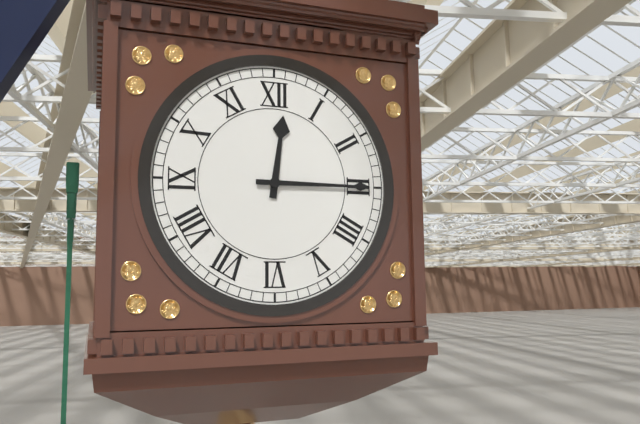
12.15
